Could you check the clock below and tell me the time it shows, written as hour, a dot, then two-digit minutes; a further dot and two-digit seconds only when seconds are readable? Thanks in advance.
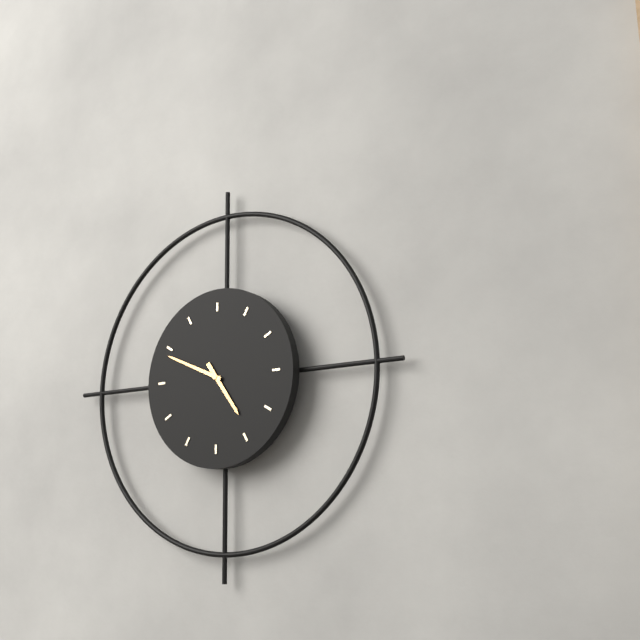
4.49
